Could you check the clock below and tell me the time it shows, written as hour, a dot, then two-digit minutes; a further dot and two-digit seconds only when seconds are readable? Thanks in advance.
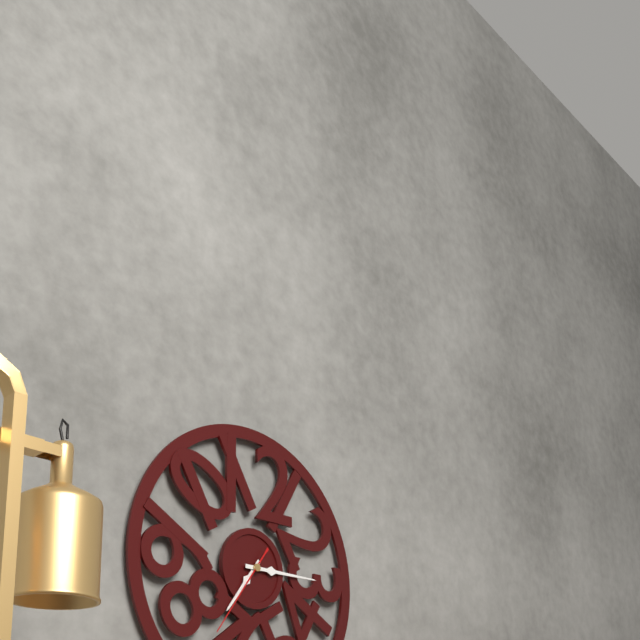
7.15.36
